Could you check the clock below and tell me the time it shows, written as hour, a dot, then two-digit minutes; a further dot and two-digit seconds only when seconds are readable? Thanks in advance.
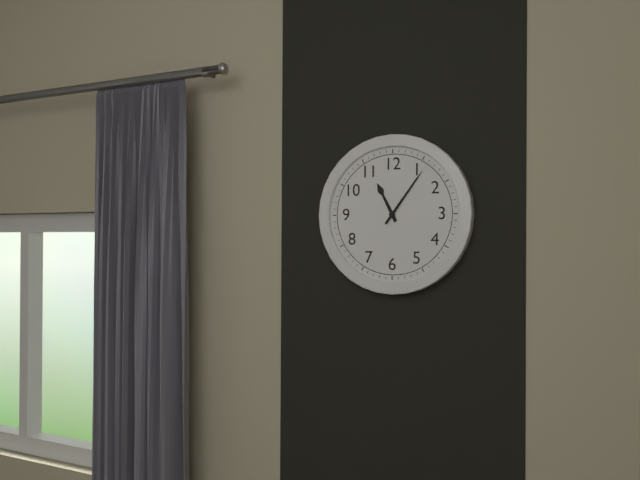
11.06
